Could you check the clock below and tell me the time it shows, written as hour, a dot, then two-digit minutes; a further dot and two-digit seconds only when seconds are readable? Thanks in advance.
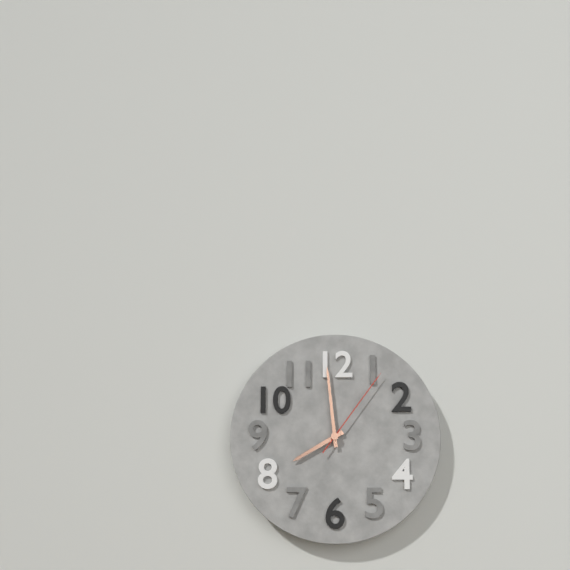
7.59.06
